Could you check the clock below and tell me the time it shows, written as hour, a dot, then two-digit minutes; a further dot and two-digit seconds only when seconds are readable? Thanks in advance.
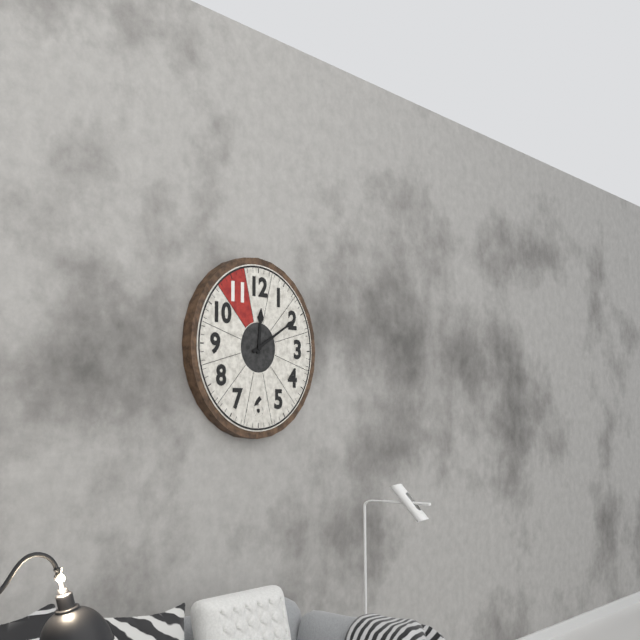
12.10
